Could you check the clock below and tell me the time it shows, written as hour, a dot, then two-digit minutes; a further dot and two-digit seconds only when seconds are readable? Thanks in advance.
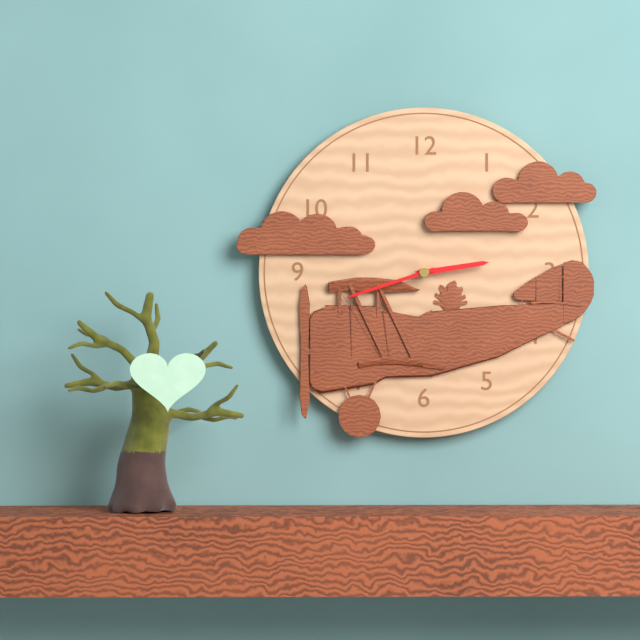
2.42
